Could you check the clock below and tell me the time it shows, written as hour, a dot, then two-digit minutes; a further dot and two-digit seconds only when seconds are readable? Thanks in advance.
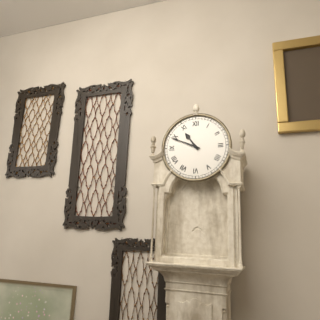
10.49
